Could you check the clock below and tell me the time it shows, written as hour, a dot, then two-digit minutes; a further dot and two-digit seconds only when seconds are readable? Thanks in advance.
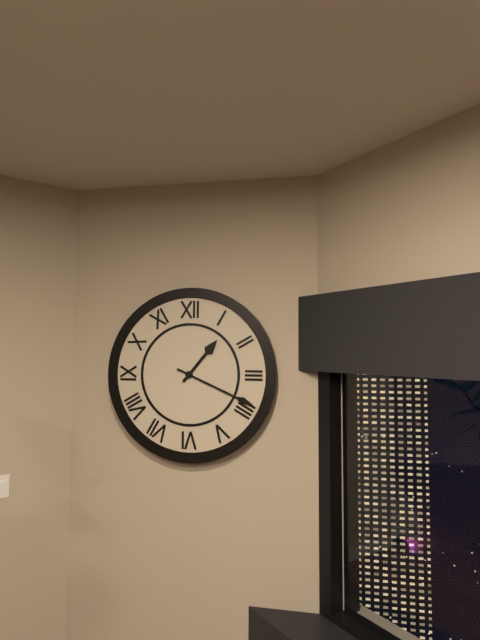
1.19
